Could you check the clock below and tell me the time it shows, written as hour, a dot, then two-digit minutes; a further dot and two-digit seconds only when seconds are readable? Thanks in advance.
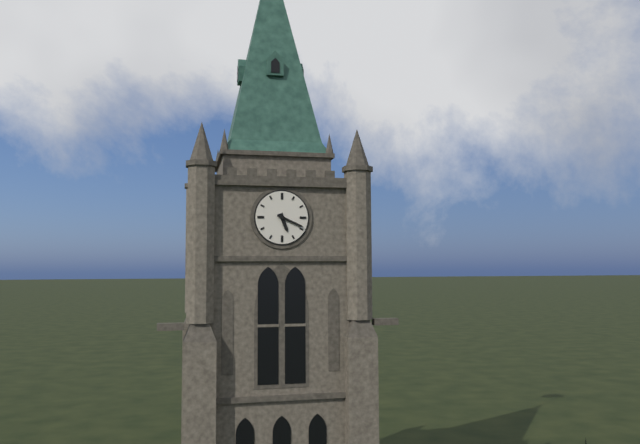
5.19
